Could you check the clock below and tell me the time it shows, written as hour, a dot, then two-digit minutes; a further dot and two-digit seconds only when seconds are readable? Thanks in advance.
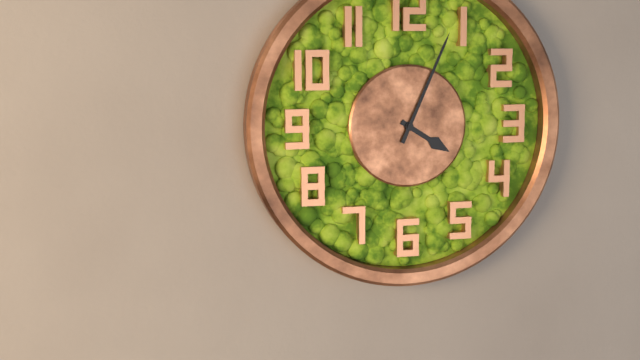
4.04
